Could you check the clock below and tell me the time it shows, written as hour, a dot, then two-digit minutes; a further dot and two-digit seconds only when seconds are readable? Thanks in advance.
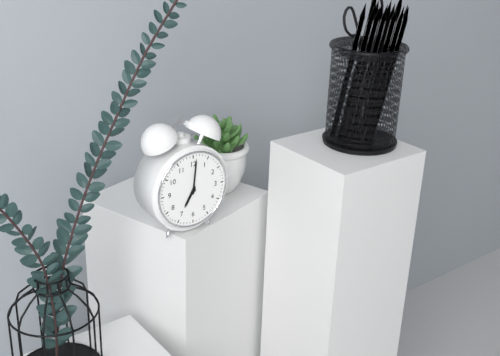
7.01
